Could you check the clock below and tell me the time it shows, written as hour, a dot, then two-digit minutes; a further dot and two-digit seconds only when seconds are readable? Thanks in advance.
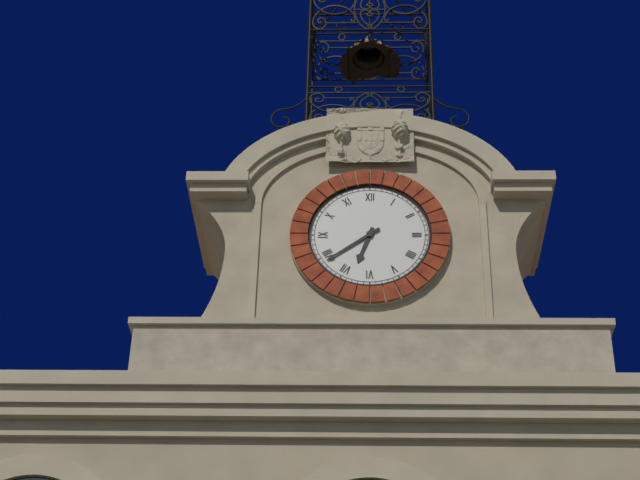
6.39
